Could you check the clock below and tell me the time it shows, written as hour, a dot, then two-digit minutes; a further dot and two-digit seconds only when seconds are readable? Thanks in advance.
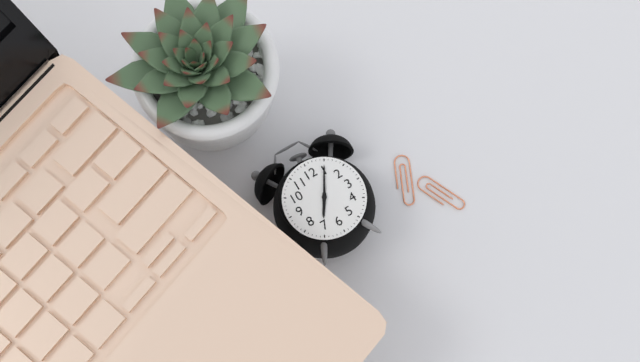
7.05
